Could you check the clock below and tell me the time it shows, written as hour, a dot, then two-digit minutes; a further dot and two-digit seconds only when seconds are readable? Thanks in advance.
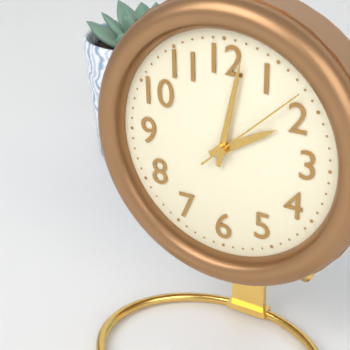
2.02.08
